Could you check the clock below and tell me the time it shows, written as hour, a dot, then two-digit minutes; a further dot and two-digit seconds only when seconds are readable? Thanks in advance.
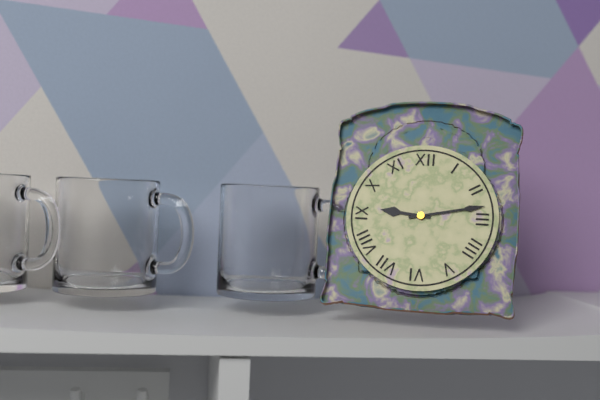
9.13
